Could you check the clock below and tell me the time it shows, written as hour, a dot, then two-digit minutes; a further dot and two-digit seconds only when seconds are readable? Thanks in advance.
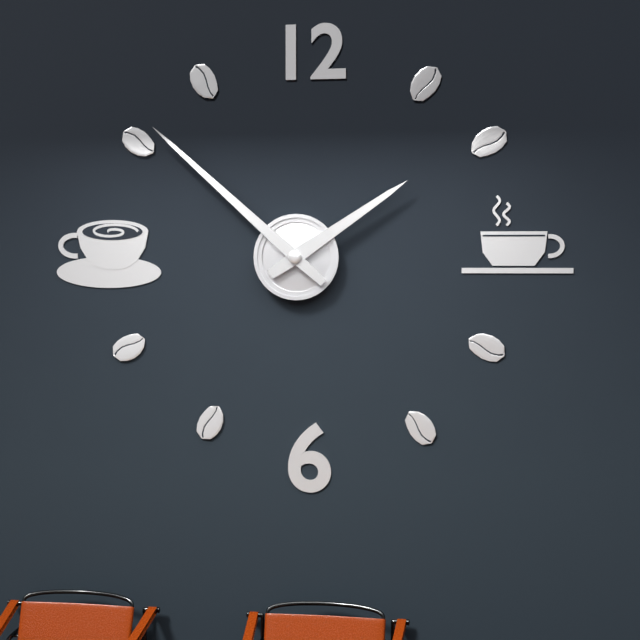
1.52
